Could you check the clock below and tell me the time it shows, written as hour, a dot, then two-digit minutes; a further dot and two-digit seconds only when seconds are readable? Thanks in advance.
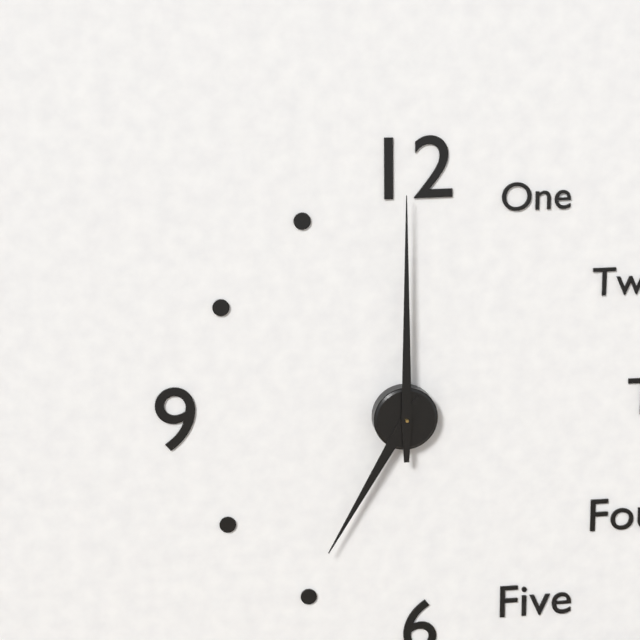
7.00
